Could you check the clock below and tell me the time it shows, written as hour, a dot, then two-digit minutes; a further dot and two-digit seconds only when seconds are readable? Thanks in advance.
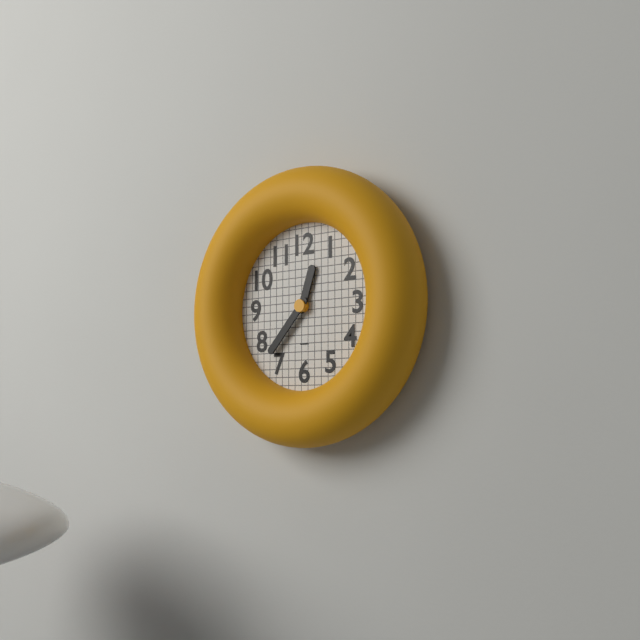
12.37
